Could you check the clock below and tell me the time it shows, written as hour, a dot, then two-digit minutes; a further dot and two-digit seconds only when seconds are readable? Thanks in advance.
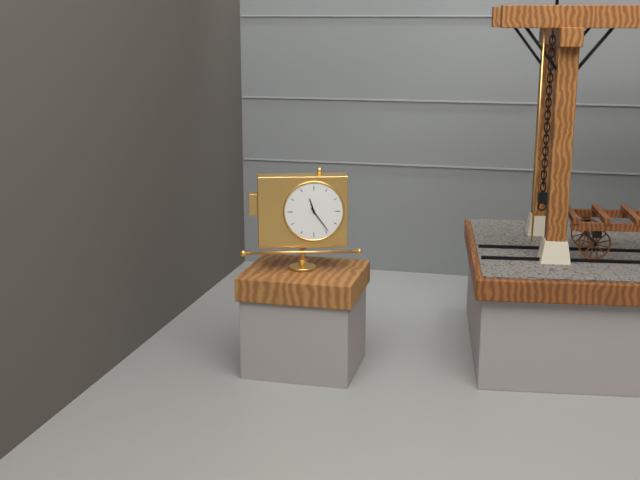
11.24
